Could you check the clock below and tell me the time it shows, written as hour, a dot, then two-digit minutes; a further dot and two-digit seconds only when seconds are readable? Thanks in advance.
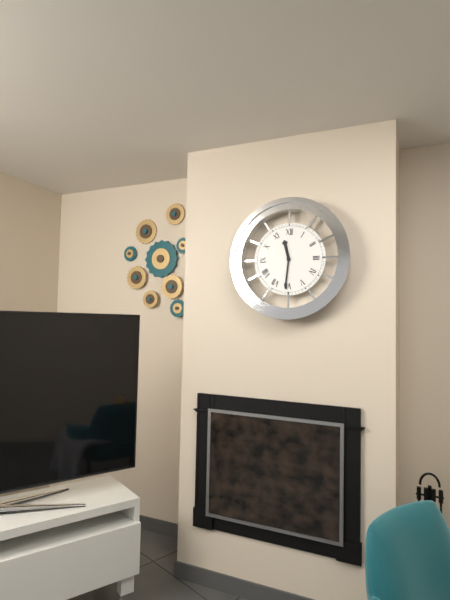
11.31
